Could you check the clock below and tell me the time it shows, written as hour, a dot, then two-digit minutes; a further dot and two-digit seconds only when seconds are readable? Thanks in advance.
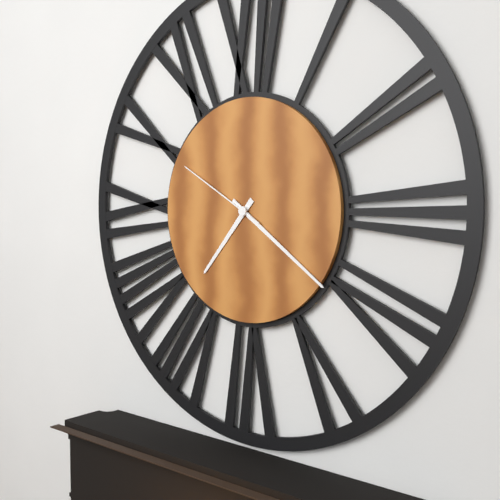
7.21.50
